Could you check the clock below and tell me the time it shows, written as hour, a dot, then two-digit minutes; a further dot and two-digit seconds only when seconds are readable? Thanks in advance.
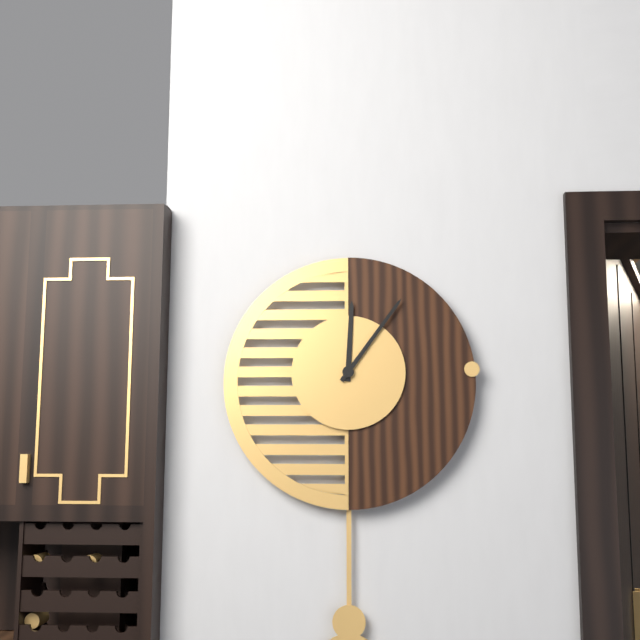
12.06
